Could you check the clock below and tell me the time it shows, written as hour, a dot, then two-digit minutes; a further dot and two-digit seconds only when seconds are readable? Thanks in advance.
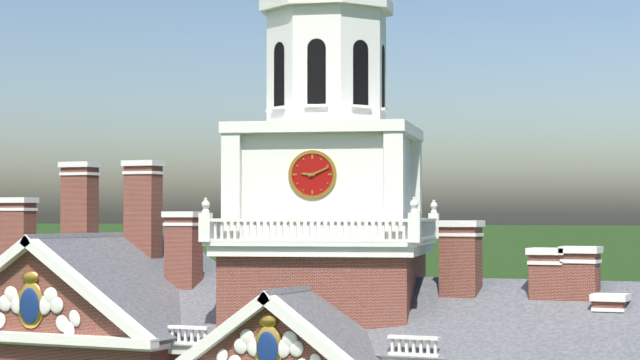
9.11
